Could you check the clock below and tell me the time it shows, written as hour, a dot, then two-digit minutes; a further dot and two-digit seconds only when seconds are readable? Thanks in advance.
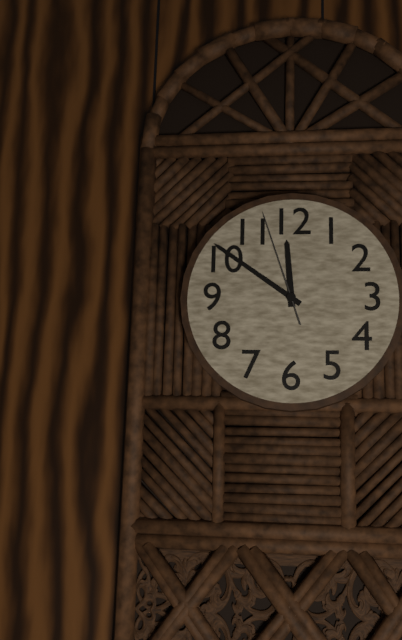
11.51.57
